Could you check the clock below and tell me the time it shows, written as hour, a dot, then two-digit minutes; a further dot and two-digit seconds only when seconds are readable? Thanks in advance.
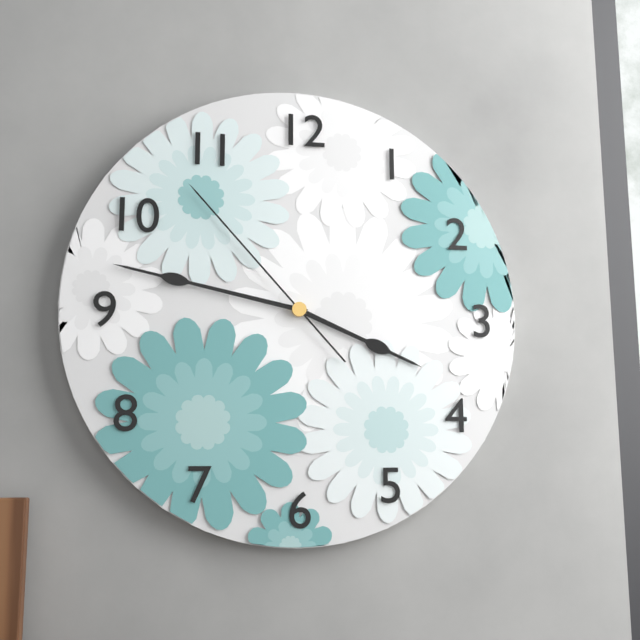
3.47.53
